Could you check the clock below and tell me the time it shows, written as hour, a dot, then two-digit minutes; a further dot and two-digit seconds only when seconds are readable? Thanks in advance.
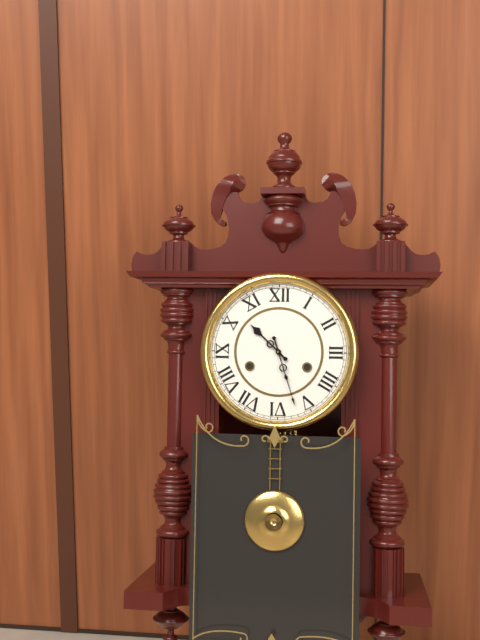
10.27
